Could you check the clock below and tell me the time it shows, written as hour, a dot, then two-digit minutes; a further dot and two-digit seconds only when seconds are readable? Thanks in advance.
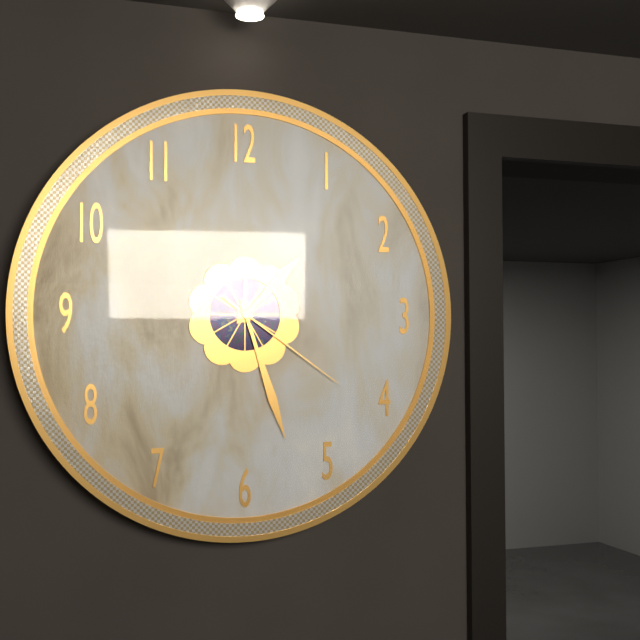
1.27.21
